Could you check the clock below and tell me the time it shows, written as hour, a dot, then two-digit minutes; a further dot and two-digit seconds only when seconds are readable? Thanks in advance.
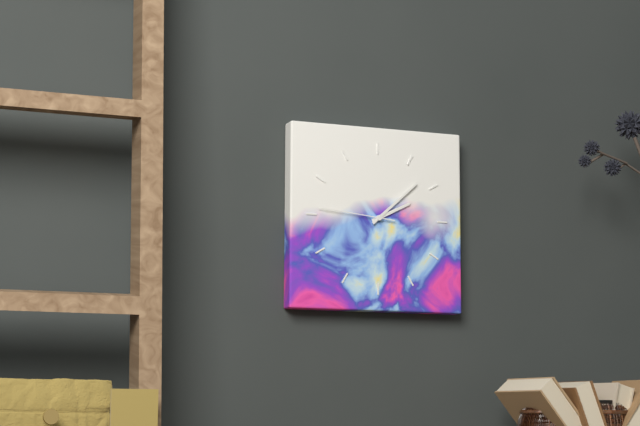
2.08.46
